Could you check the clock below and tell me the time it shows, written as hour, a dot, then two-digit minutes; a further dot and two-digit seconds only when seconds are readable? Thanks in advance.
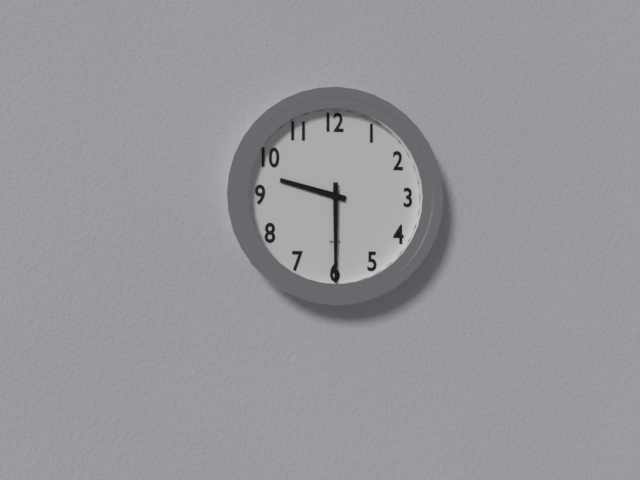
9.30
